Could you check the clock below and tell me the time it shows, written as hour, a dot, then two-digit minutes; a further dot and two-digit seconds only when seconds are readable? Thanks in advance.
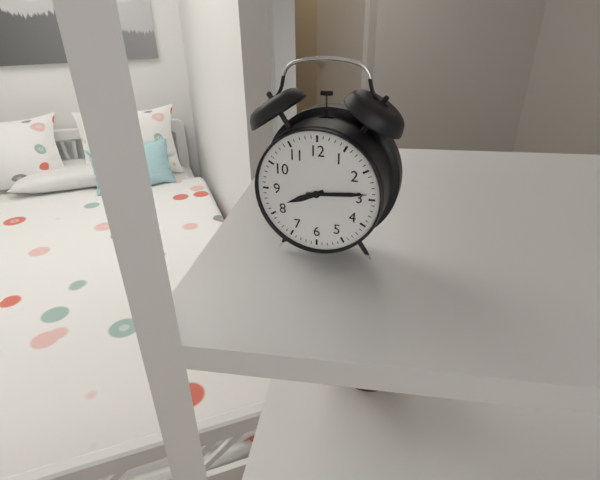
8.14
